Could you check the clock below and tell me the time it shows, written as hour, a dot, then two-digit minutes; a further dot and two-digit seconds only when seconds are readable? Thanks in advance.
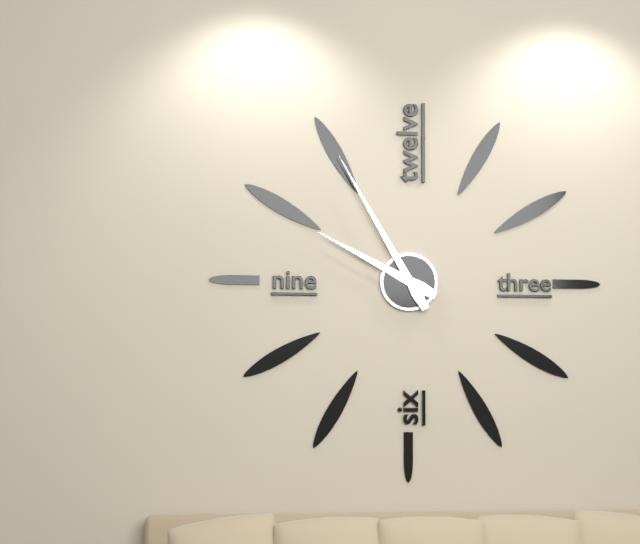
9.55
